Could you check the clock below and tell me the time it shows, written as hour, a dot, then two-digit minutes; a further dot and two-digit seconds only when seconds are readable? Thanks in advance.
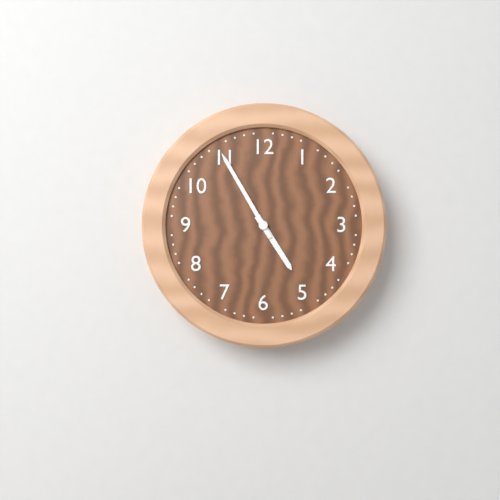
4.55
